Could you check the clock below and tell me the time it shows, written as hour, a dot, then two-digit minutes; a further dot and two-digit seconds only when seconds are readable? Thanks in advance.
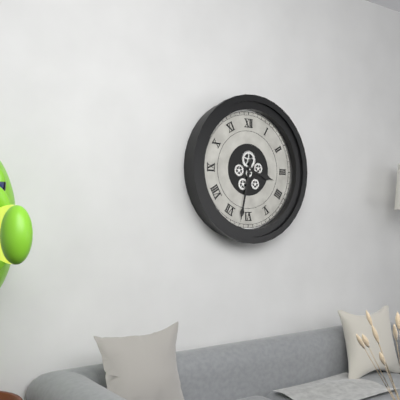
3.32
